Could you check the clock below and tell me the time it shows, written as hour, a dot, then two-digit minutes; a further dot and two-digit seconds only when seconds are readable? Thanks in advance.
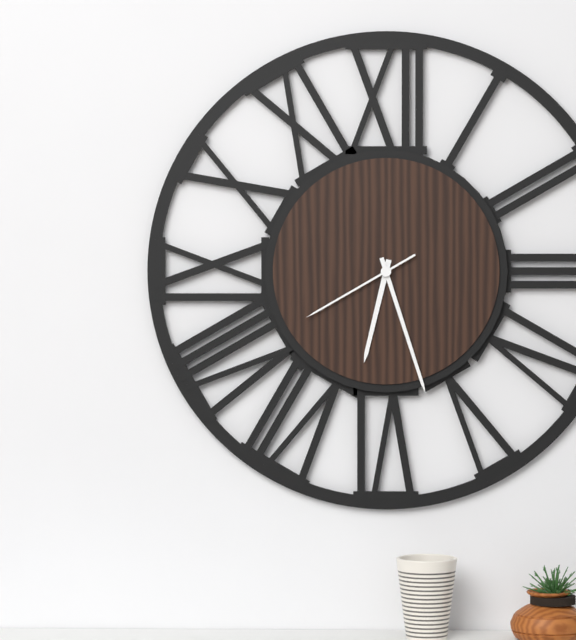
6.27.40
